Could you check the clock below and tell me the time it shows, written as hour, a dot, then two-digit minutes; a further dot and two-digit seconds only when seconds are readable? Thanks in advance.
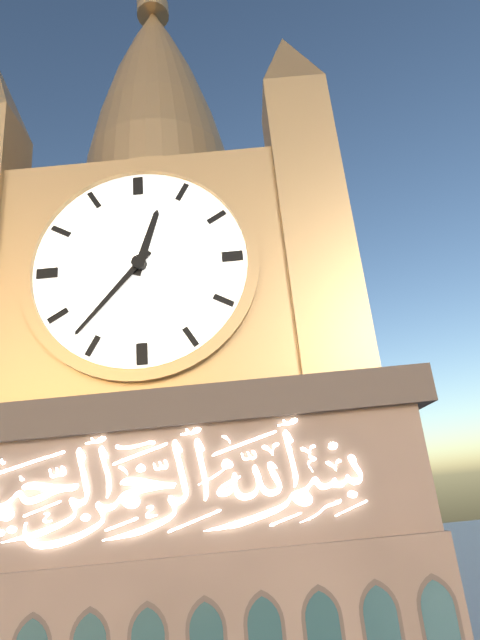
12.37
